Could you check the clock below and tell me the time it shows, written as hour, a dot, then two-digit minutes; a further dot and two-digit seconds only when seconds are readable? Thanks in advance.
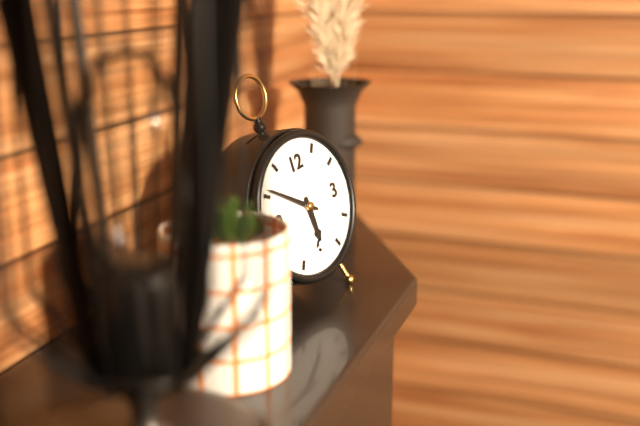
5.51
